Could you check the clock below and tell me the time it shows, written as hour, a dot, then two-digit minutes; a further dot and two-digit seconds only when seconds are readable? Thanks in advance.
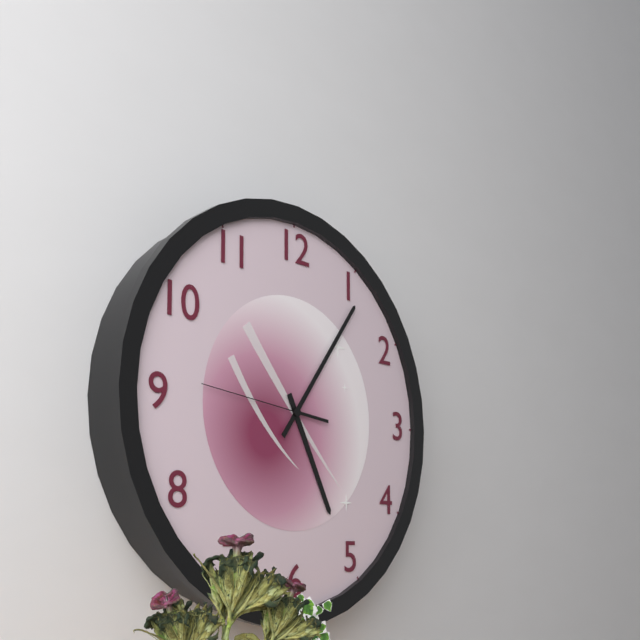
5.06.46
